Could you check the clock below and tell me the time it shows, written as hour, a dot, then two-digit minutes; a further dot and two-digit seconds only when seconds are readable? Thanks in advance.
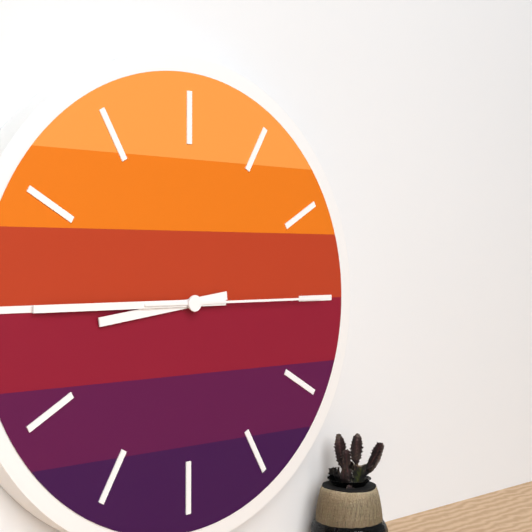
8.45.15
